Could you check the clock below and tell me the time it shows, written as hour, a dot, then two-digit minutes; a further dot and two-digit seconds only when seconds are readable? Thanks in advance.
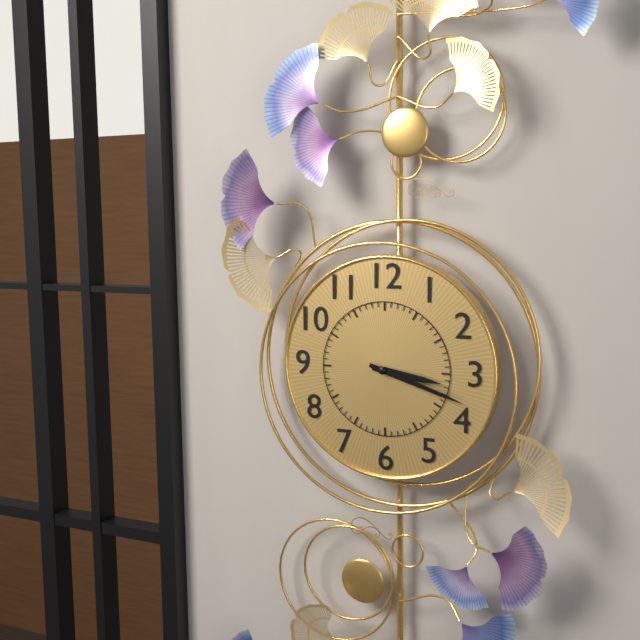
3.18
